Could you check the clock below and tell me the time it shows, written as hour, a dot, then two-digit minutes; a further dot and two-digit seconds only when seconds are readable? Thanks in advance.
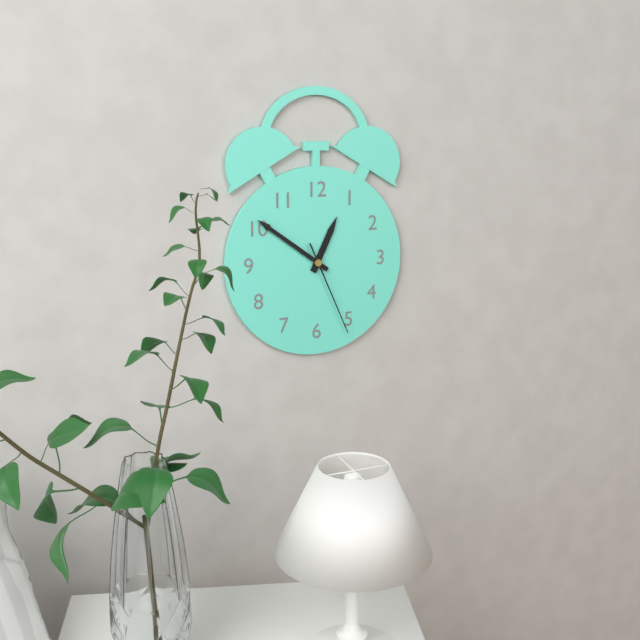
12.51.26
